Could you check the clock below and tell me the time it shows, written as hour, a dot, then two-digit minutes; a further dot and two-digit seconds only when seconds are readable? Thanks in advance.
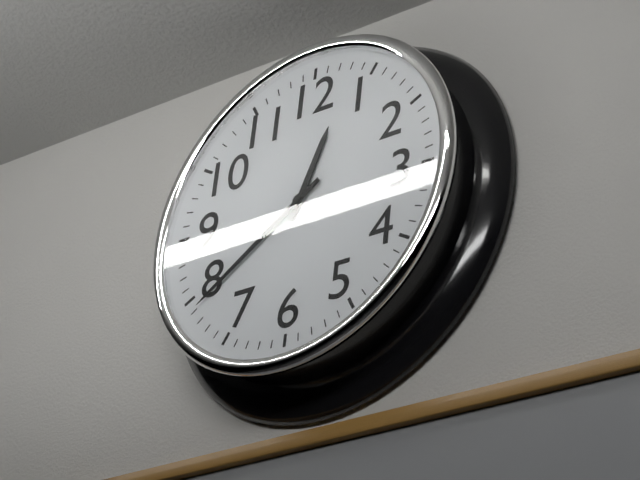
12.39
